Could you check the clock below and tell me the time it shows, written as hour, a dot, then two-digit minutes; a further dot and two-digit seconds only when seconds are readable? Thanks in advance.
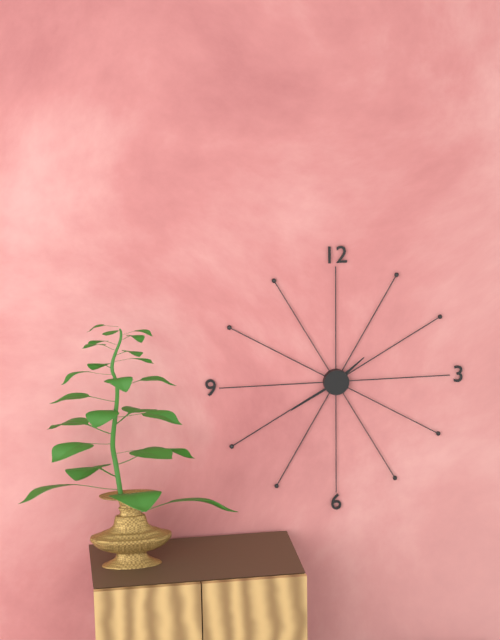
1.40
